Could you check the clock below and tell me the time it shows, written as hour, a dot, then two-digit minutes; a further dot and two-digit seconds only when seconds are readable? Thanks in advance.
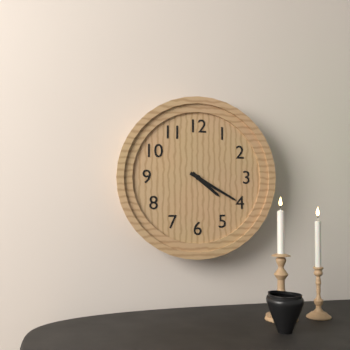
4.20
